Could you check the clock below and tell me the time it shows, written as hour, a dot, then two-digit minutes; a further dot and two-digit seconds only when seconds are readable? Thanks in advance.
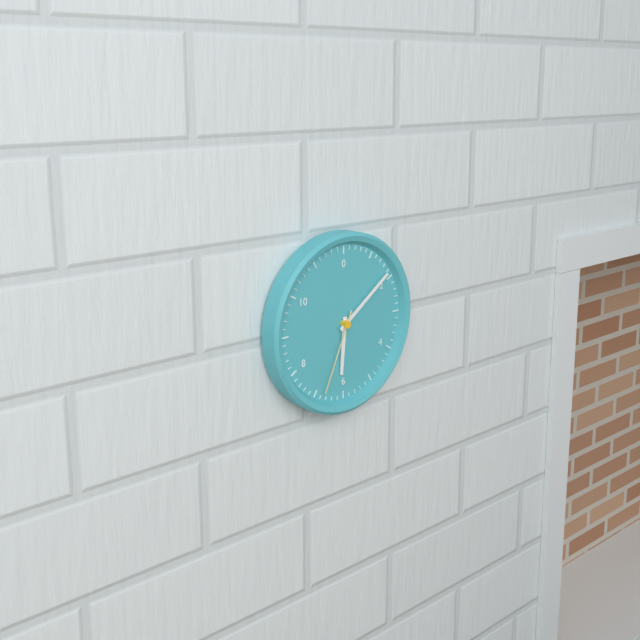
6.09.34
